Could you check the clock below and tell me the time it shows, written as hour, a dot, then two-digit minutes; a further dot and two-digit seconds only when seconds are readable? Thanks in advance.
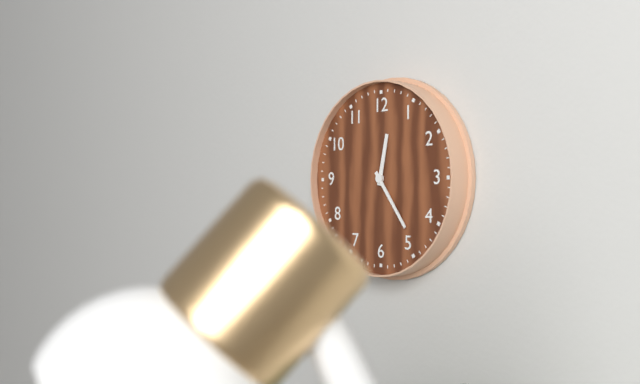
12.24
